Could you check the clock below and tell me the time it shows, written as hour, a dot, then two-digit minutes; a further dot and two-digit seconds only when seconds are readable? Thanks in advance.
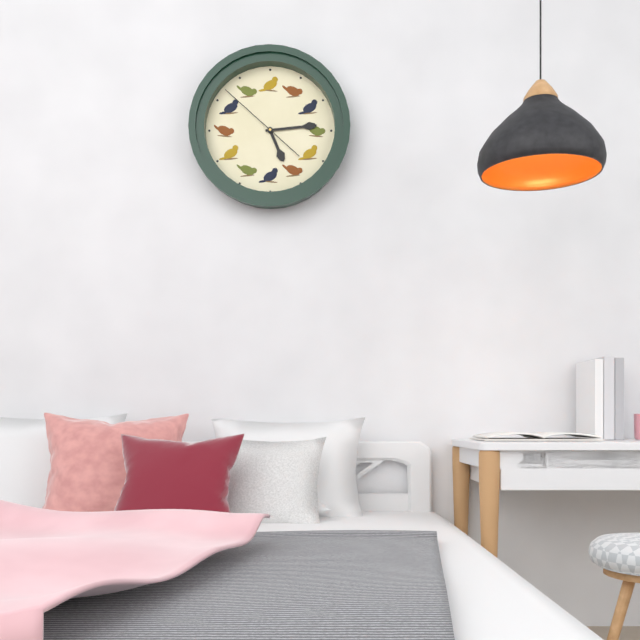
5.14.52
